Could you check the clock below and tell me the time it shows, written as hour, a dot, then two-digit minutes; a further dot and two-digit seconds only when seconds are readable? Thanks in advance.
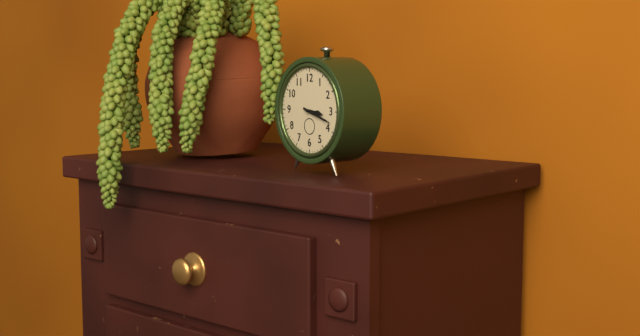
3.18
